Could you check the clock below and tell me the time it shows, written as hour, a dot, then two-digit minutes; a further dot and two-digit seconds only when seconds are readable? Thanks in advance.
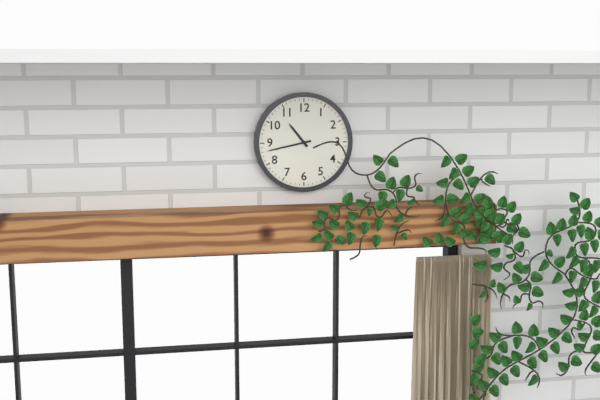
10.43
